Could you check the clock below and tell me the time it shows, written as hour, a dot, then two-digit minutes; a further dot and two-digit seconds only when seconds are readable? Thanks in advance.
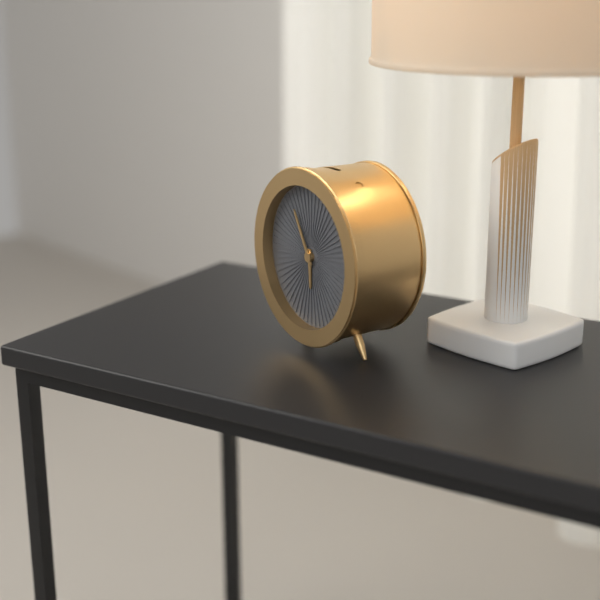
5.55
